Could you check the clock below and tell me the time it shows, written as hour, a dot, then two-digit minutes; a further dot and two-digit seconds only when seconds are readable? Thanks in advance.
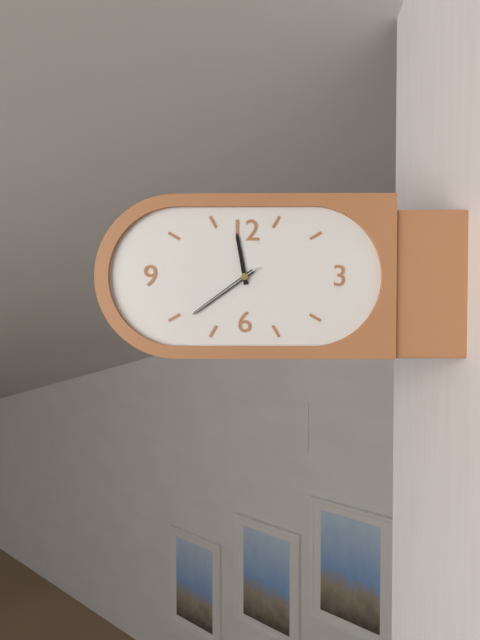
11.39.39
